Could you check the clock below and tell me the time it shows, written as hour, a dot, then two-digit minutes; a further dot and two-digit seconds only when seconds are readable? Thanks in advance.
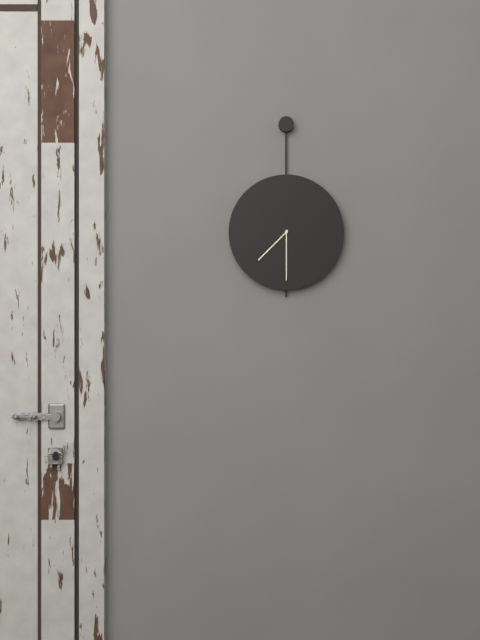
7.30
